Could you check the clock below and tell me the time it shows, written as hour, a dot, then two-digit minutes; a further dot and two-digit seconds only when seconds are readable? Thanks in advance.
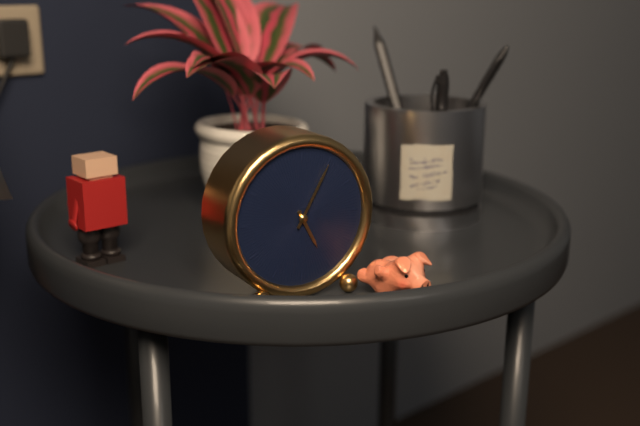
5.05
